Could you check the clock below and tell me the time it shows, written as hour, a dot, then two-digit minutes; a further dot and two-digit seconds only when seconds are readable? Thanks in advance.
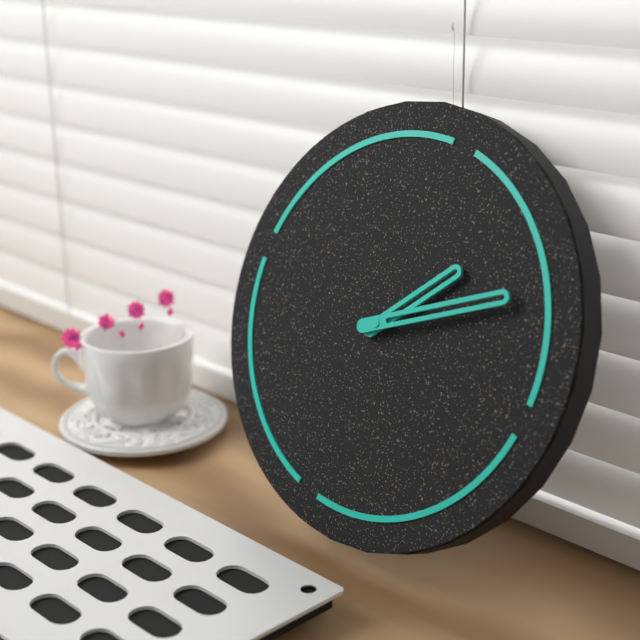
1.09
